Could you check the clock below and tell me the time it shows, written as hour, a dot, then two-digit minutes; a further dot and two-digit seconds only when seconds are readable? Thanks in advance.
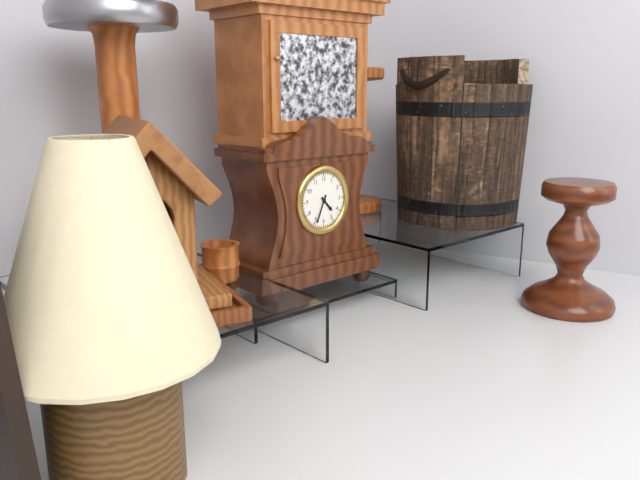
4.34
